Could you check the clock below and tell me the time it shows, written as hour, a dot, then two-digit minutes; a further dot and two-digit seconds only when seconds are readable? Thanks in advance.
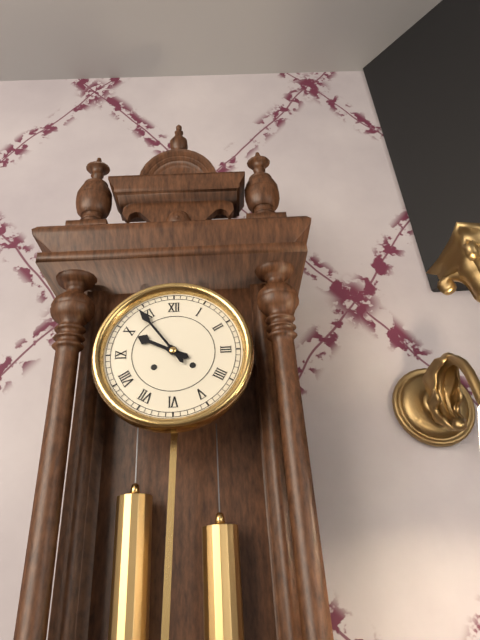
9.54
